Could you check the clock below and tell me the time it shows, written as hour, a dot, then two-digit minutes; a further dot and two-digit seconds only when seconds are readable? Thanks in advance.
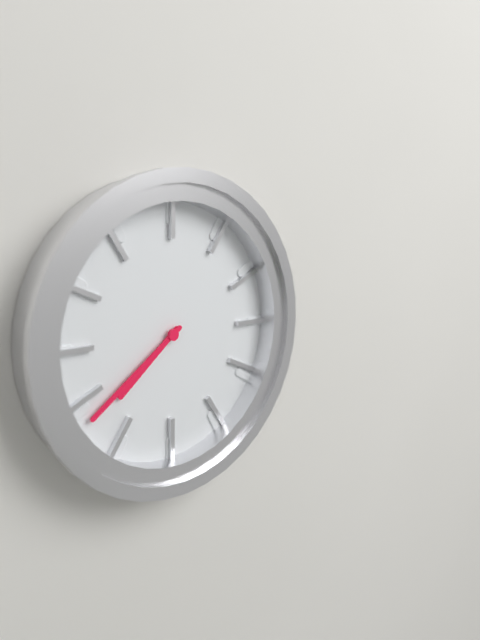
7.39
